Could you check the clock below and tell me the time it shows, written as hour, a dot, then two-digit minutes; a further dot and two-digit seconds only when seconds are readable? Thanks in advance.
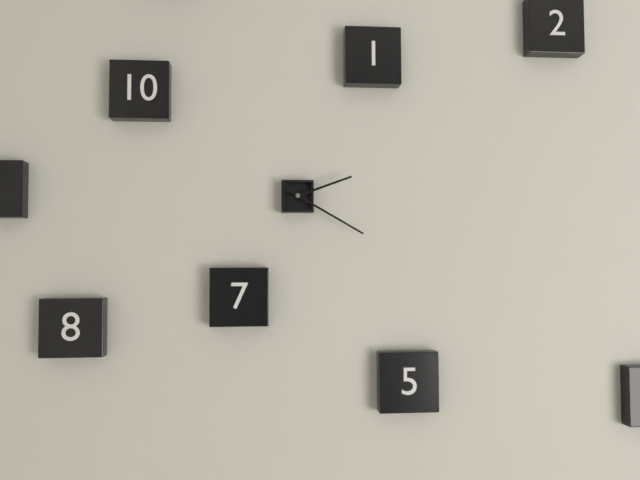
2.20
